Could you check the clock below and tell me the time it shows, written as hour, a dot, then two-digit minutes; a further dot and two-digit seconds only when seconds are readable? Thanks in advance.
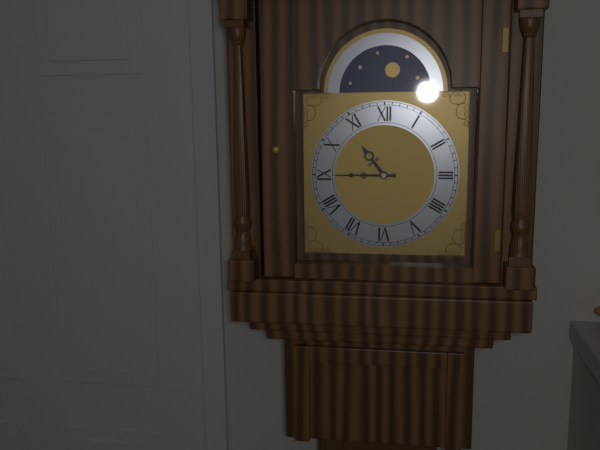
10.45
